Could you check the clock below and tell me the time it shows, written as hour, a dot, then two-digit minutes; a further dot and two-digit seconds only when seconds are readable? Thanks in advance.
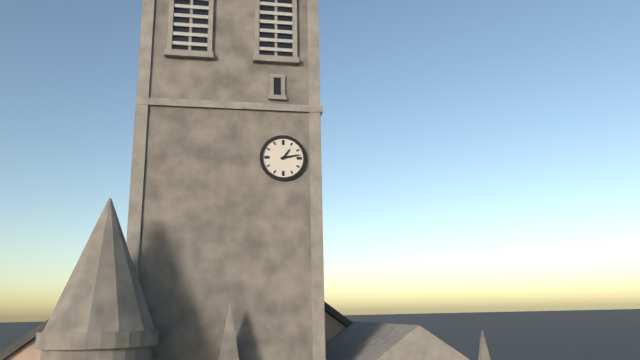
1.13
